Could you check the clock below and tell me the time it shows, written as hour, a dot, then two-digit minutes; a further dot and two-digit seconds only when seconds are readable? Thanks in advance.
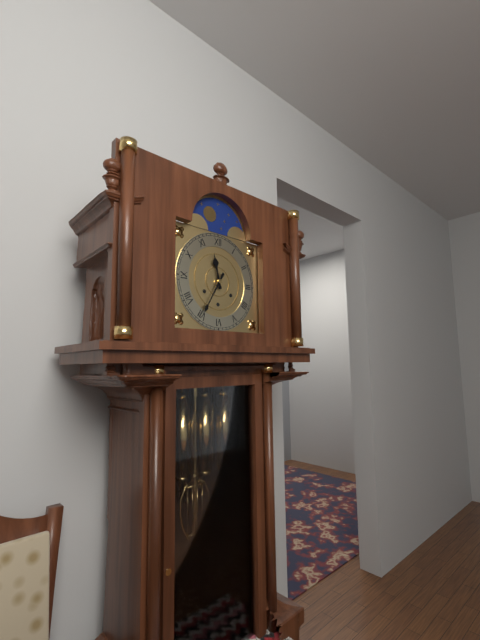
11.35
